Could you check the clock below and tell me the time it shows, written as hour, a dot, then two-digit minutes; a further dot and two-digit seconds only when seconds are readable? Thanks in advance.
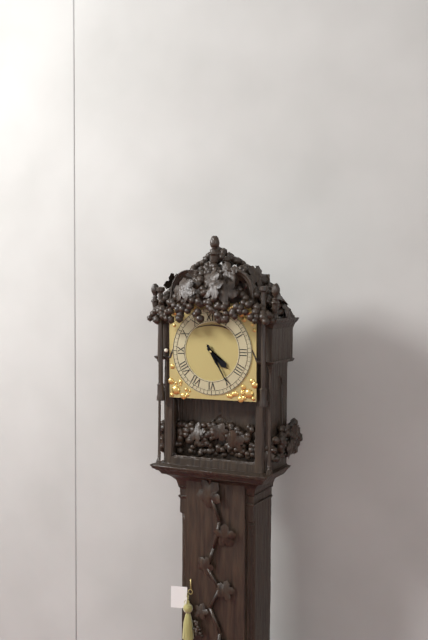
4.25
